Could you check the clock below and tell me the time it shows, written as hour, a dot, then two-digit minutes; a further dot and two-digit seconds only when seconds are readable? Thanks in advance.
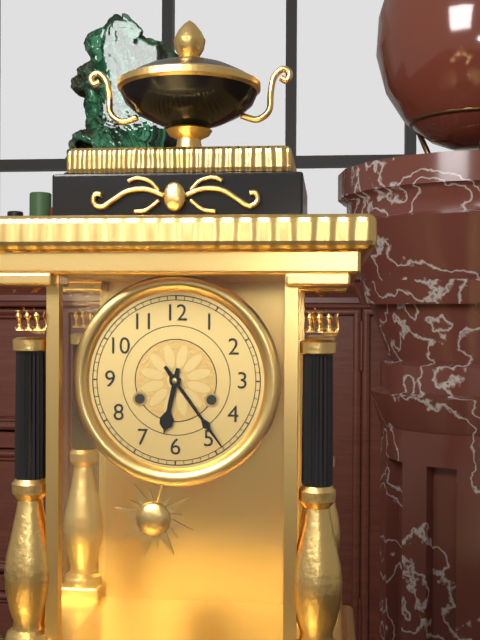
6.24
